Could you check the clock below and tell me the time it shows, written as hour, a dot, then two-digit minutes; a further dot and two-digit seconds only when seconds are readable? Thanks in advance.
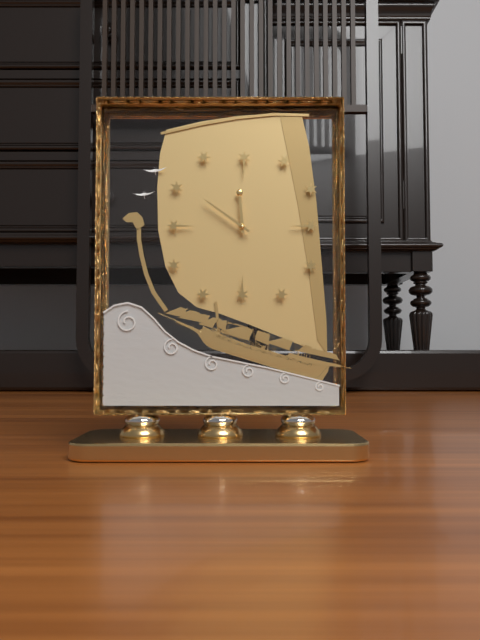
11.51
